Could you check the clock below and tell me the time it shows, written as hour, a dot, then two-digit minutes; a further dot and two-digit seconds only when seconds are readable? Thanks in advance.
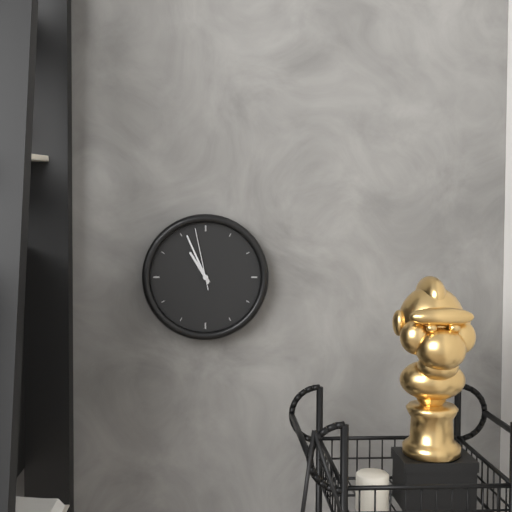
10.56.58
